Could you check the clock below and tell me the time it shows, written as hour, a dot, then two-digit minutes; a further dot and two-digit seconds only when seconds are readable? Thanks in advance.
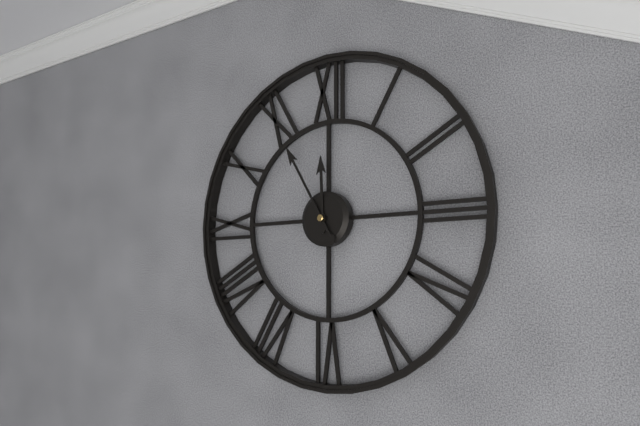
11.55
